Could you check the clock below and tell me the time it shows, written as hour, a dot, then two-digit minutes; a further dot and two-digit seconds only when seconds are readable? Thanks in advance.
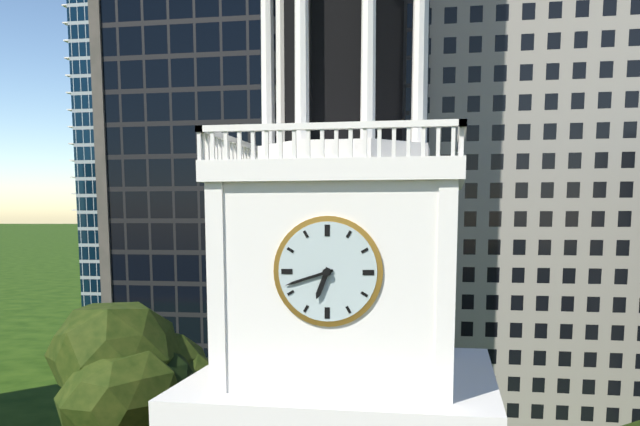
6.42
